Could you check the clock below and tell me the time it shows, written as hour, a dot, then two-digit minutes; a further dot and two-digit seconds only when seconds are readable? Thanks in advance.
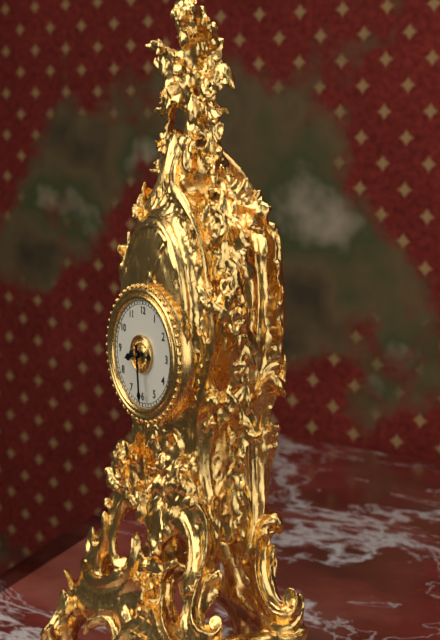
8.29
